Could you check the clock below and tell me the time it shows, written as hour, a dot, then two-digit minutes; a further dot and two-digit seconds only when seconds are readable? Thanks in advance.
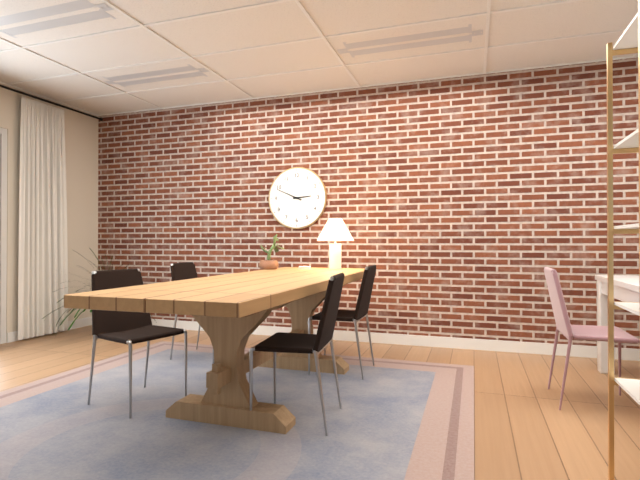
2.49
